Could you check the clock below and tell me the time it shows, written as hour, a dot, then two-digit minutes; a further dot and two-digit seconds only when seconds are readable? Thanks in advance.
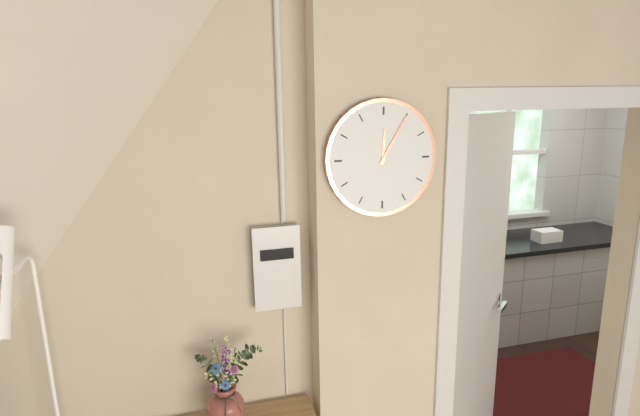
12.05
